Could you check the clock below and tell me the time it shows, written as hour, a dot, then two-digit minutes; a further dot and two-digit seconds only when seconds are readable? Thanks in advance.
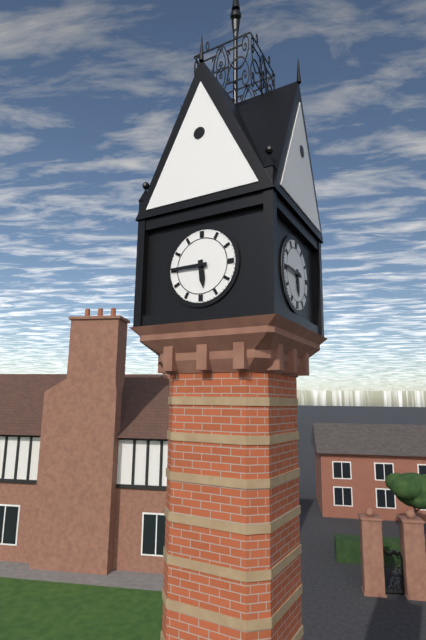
5.45
